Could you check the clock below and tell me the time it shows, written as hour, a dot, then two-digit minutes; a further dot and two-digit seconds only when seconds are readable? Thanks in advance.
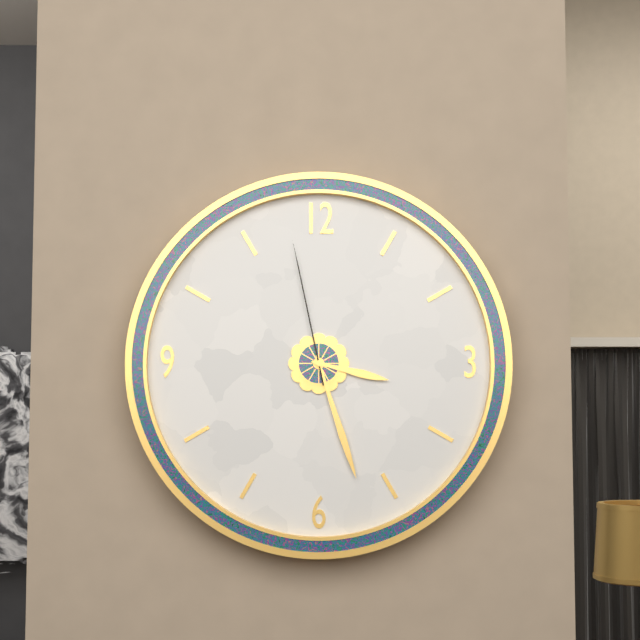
3.27.58
